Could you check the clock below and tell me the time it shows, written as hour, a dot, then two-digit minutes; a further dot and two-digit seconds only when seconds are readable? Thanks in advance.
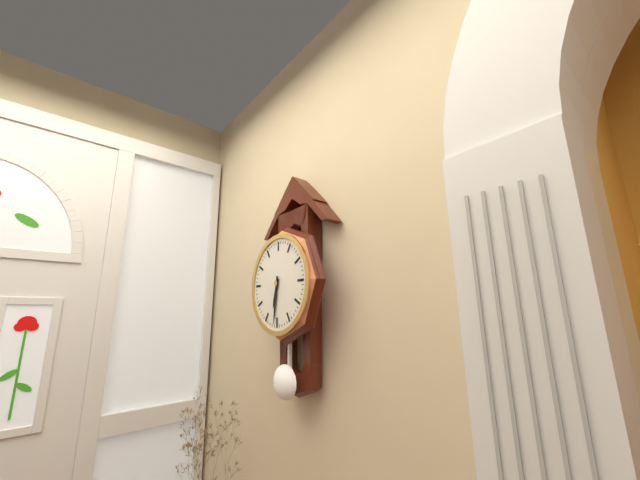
6.31
